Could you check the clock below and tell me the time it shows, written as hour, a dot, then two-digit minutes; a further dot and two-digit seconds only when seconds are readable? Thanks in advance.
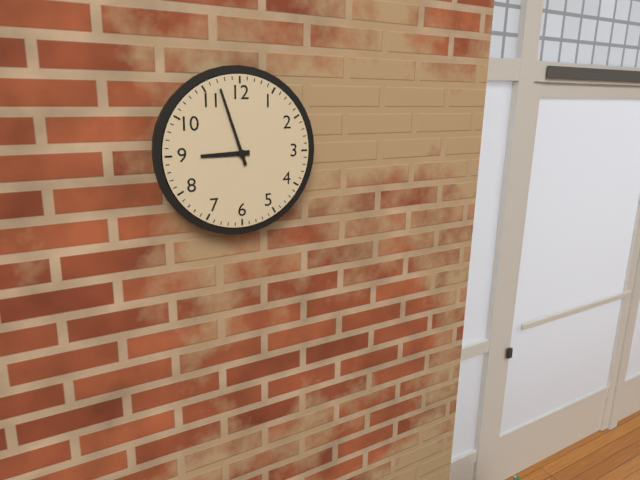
8.57
